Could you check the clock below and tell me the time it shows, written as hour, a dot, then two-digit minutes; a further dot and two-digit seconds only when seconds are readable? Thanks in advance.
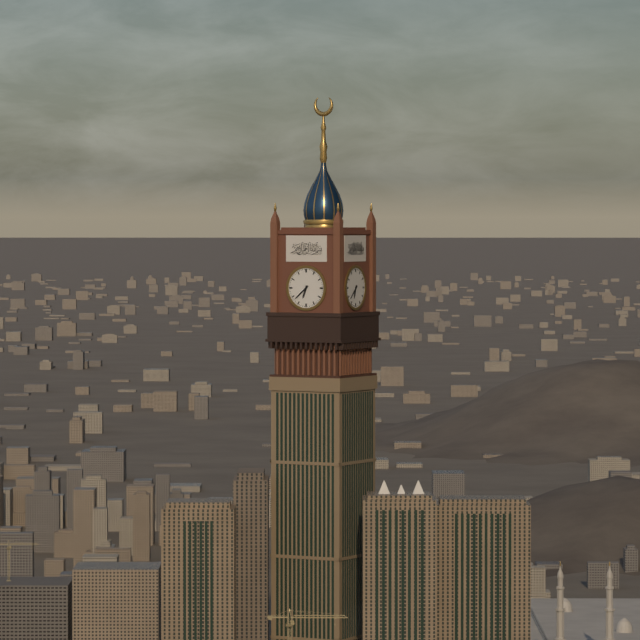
6.38
